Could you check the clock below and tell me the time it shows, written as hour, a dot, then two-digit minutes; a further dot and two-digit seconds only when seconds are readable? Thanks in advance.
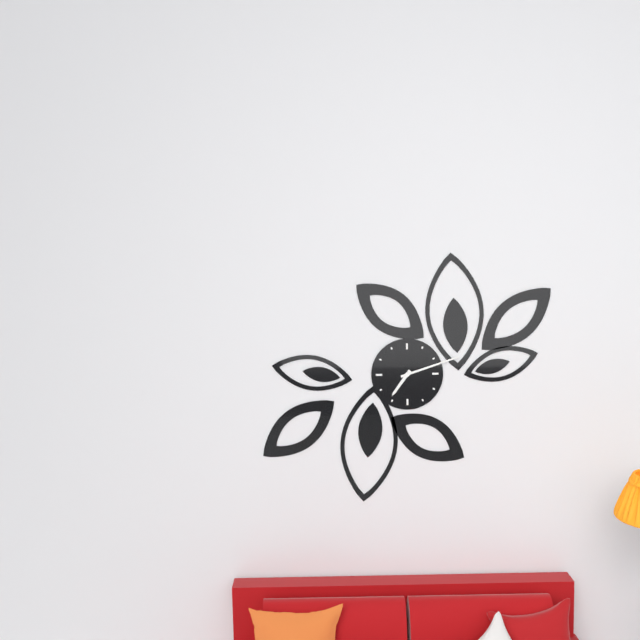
7.12
